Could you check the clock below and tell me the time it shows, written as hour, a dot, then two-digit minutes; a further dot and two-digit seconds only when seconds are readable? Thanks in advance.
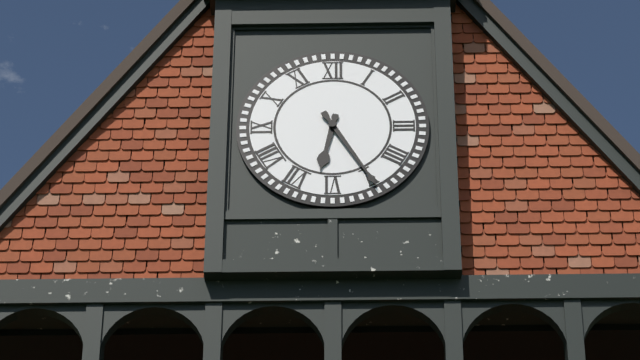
6.25
